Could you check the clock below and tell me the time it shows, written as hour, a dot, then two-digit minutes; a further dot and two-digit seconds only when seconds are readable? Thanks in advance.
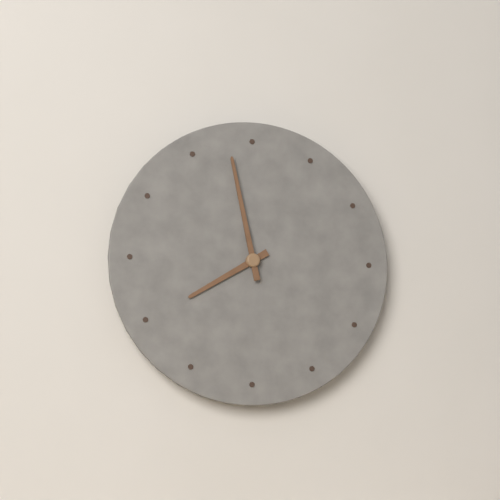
7.58
